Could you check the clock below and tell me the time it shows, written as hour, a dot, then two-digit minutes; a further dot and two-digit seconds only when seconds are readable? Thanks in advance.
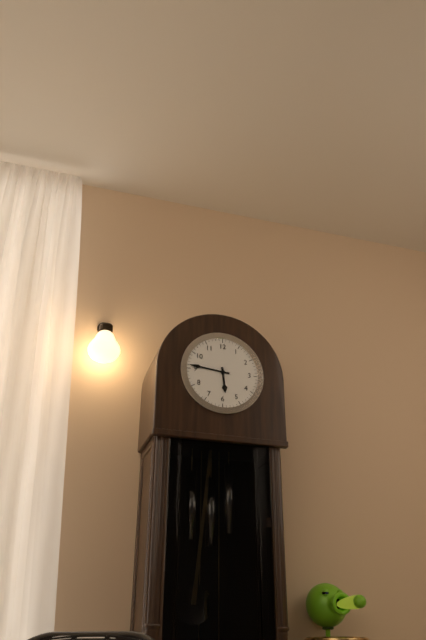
5.46
